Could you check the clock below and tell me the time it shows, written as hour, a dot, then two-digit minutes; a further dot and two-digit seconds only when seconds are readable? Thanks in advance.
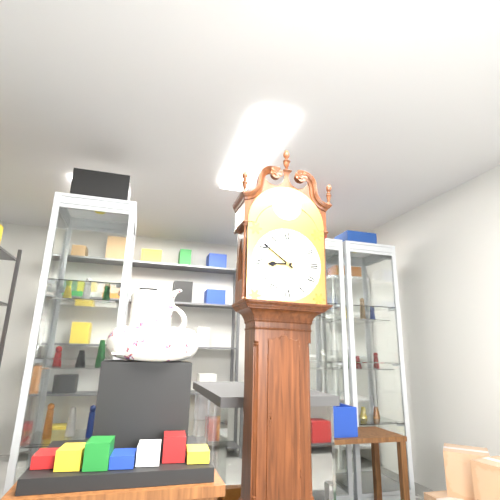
8.51
